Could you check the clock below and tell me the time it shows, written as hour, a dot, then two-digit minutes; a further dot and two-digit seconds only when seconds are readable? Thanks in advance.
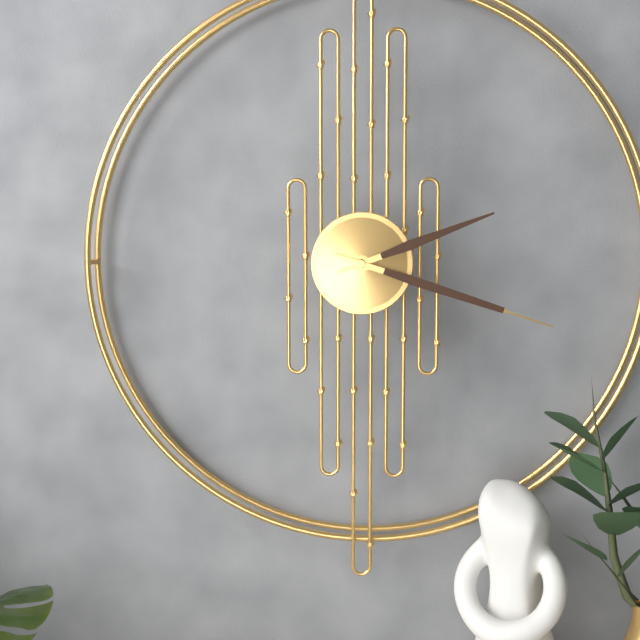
2.18
